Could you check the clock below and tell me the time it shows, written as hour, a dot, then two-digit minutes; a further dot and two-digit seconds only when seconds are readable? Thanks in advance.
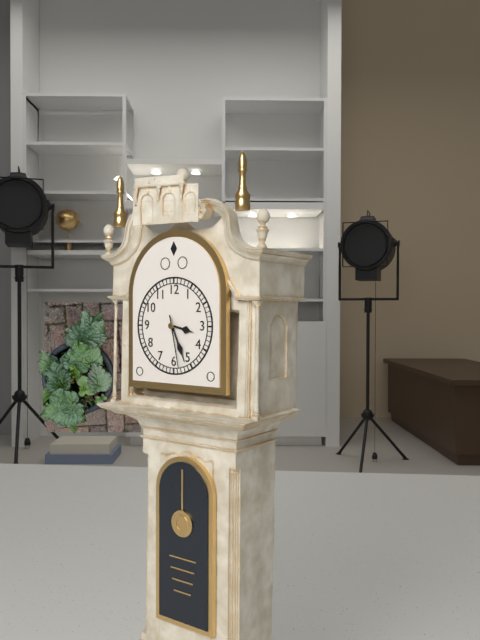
3.26.28
